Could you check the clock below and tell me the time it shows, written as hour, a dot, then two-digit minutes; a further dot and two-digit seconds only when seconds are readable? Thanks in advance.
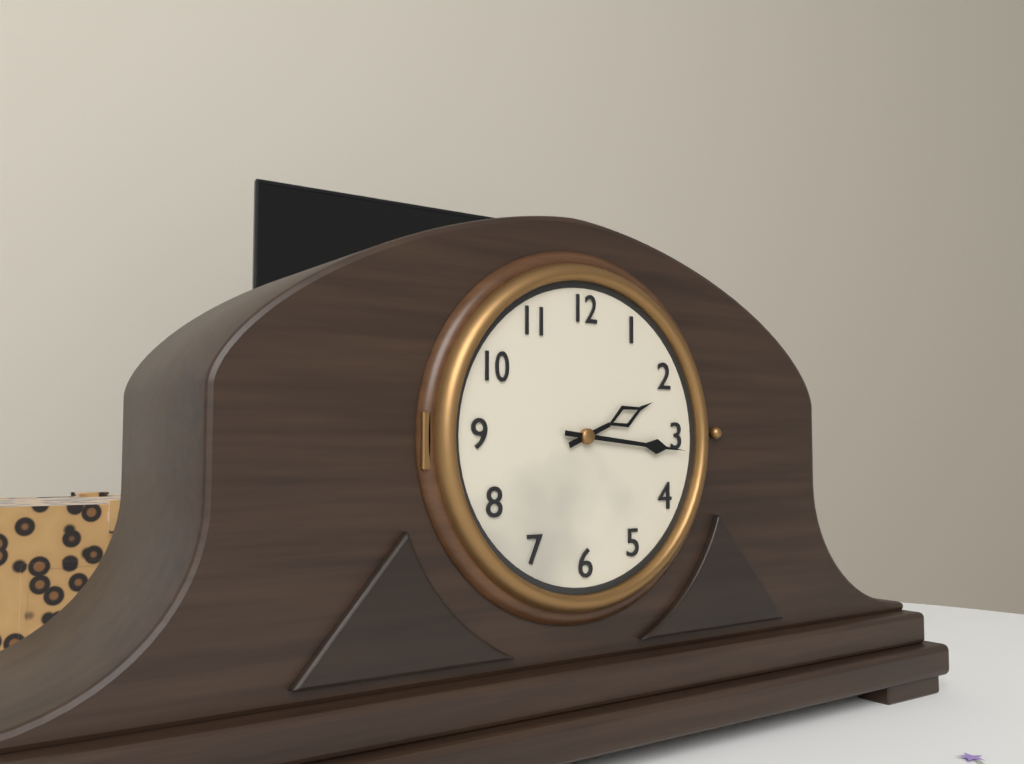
2.16
